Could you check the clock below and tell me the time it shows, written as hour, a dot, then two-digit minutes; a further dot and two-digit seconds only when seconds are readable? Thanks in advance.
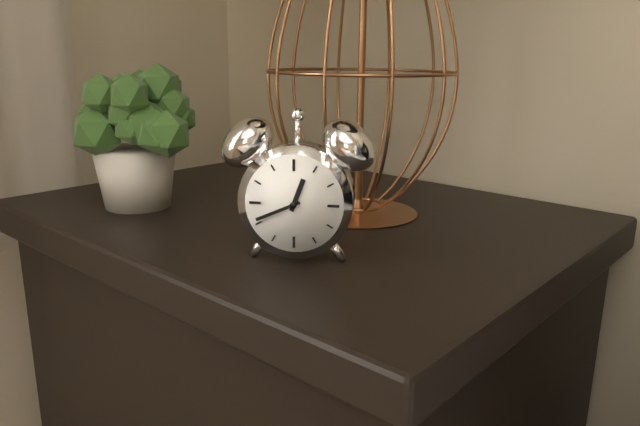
12.41
